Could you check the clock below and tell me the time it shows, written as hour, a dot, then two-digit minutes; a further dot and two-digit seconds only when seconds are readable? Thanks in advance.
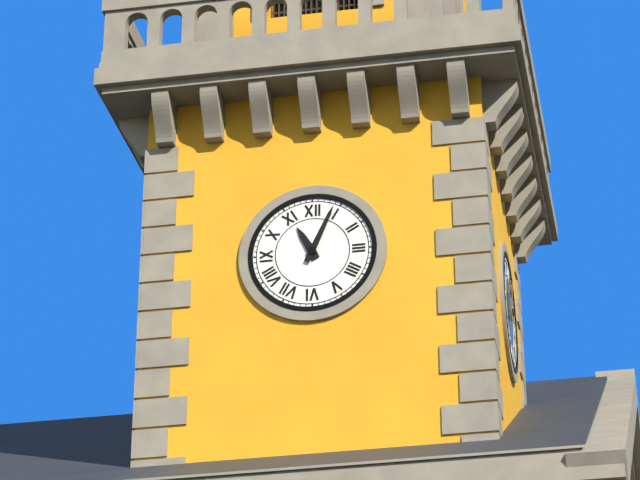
11.04
